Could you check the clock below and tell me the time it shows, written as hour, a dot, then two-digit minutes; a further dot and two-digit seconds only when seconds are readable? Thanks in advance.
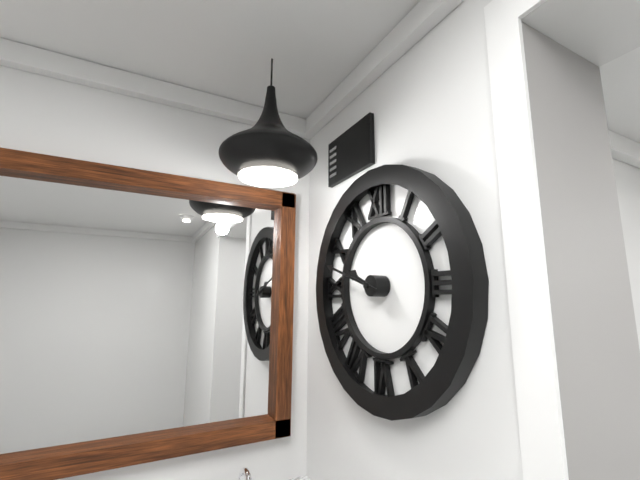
9.48
